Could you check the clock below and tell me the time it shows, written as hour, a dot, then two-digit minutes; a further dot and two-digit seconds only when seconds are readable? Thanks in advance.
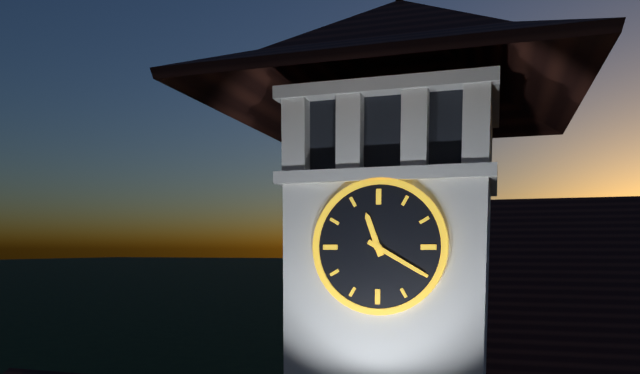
11.20
